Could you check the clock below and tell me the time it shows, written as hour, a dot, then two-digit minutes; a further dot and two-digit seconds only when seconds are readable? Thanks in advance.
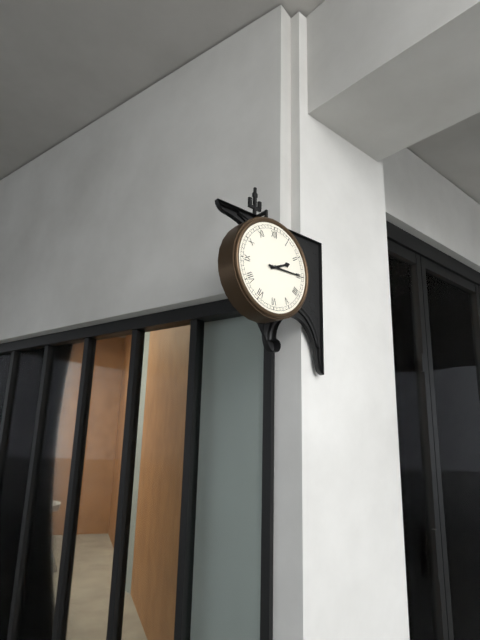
2.15
